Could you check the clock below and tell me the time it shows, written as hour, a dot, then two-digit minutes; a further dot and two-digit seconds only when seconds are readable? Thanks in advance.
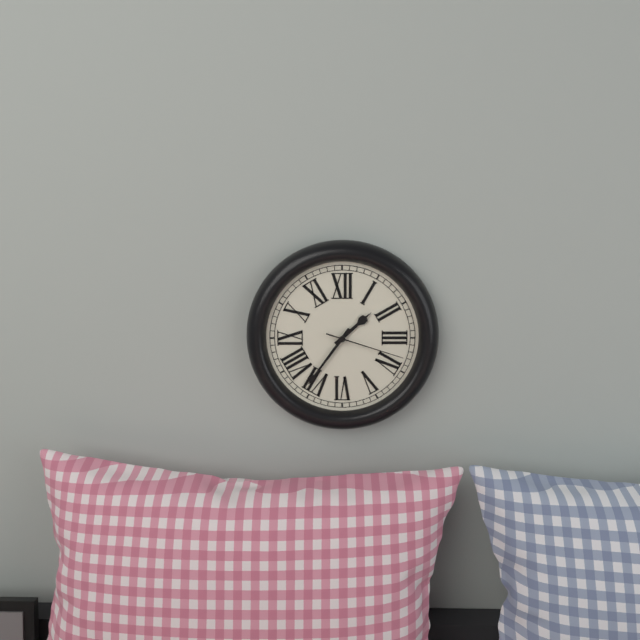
1.36.18
